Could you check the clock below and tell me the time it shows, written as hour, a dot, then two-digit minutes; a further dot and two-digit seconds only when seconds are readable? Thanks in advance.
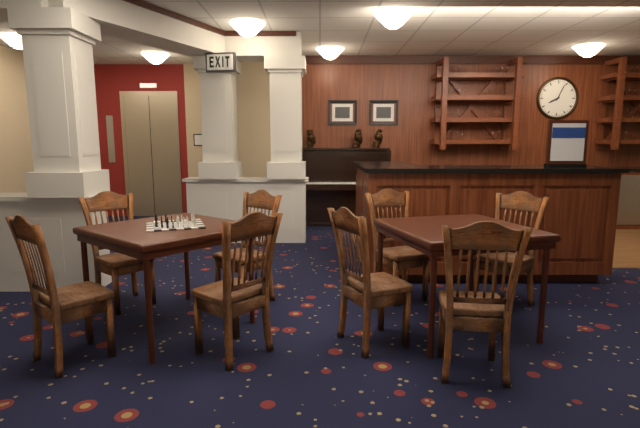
8.04
